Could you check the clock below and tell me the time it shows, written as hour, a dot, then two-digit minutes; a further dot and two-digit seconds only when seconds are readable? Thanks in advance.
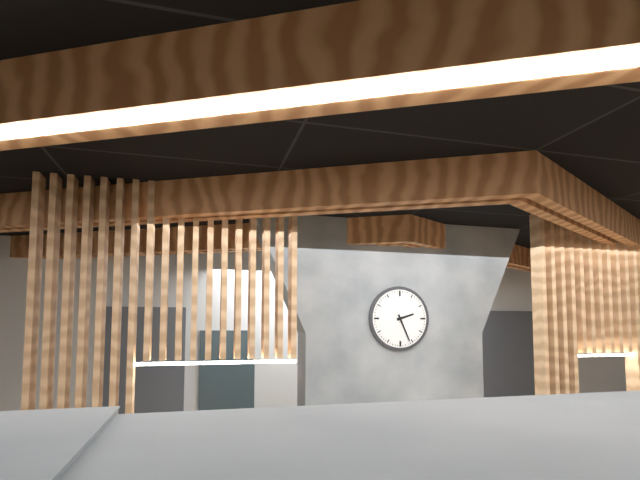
2.26
